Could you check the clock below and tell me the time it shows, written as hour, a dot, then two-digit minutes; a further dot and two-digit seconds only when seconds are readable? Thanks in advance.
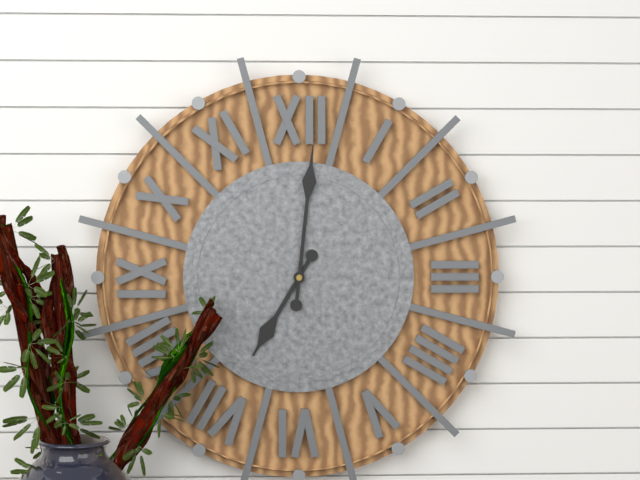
7.01
